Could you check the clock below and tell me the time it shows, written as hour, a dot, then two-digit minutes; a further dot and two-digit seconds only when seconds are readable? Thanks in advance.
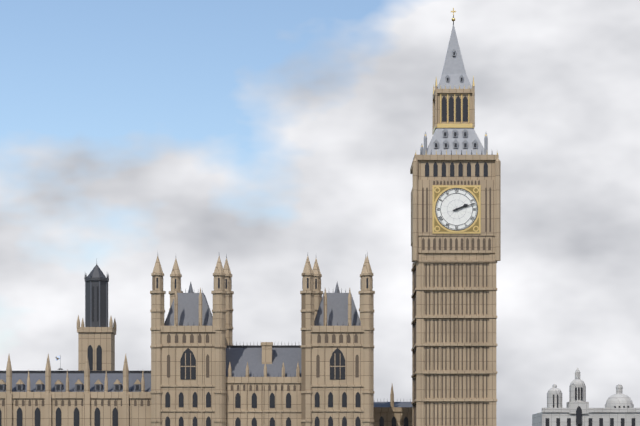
2.12
